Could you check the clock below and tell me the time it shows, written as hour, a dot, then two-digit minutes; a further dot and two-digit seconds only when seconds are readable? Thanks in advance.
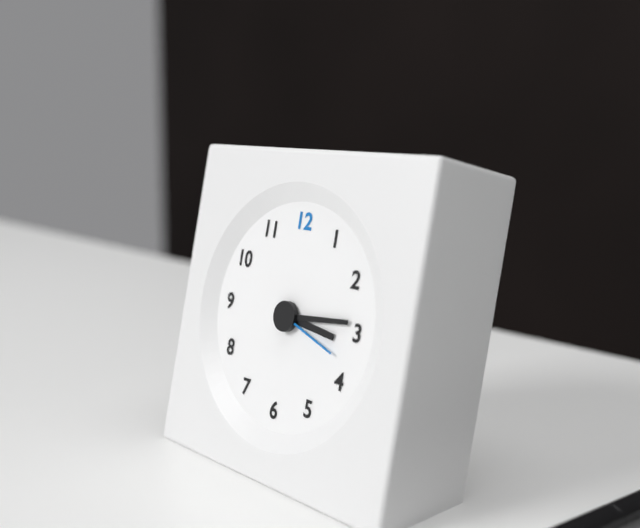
3.14.18
